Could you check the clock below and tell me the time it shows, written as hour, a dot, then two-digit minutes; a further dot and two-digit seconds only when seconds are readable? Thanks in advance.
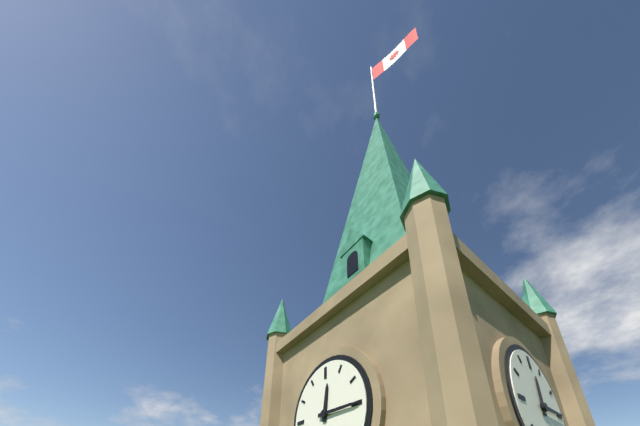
12.15
